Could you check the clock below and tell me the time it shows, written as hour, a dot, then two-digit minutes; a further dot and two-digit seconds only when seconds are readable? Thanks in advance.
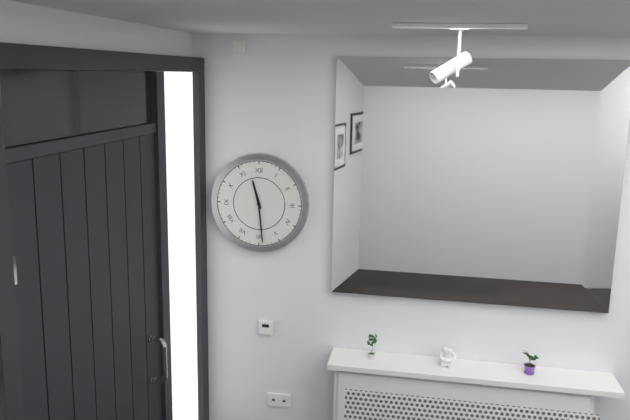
11.29
